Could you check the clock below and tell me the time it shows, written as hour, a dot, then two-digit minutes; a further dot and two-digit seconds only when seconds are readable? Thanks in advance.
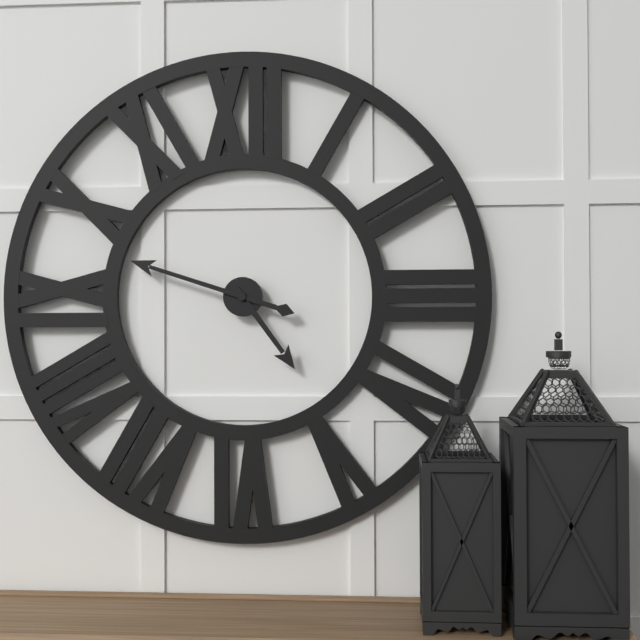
4.48
